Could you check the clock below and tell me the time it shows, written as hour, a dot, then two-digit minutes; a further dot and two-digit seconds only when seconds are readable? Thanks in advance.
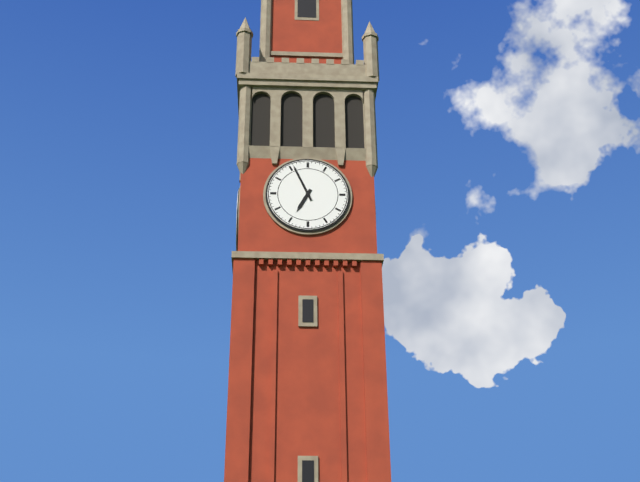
6.56
